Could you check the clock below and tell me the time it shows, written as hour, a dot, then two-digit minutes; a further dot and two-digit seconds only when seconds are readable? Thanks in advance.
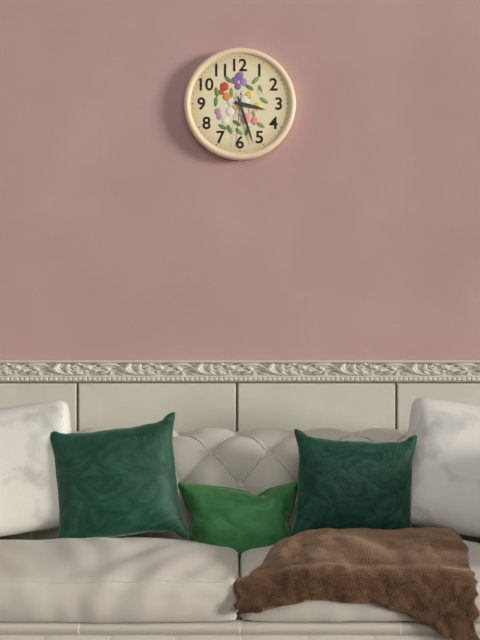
3.27.31
